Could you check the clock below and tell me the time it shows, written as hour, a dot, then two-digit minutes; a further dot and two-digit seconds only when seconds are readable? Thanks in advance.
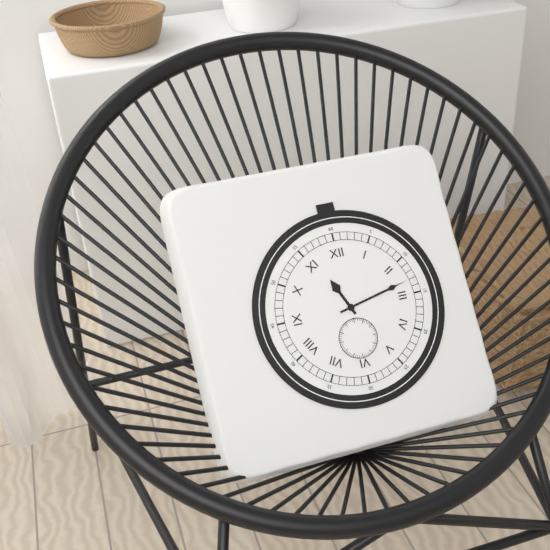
11.13
